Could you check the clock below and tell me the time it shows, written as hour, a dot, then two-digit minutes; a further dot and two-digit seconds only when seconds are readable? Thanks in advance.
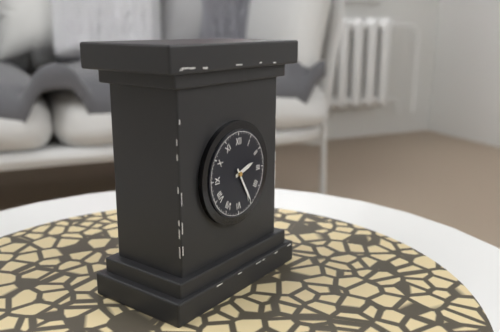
2.25
